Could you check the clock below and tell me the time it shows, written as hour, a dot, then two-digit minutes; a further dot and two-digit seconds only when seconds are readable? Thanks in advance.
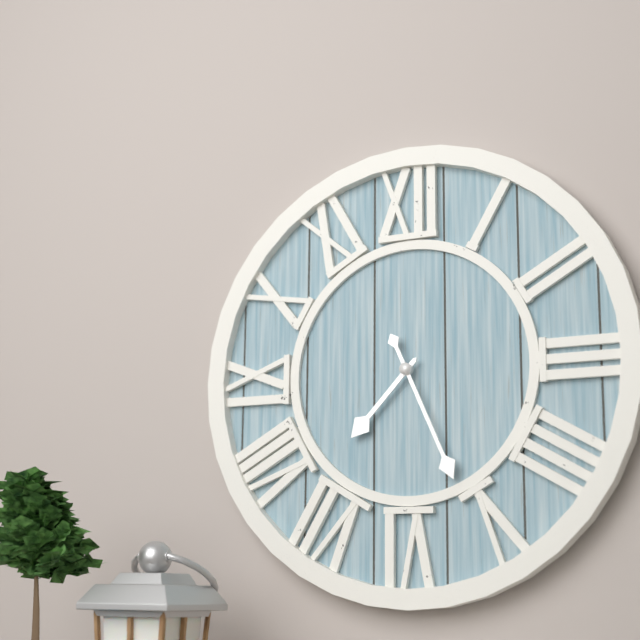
7.26
